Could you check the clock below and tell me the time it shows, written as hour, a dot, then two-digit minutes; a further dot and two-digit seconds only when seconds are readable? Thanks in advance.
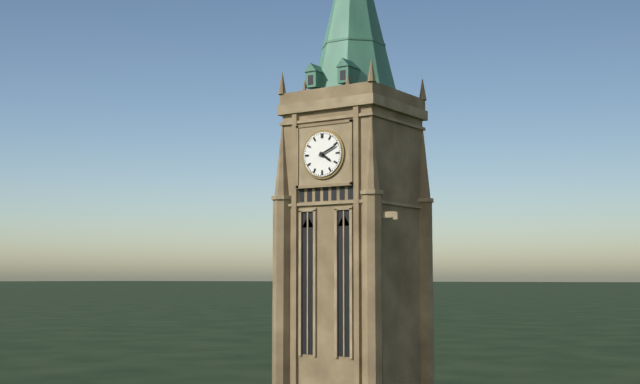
4.11
